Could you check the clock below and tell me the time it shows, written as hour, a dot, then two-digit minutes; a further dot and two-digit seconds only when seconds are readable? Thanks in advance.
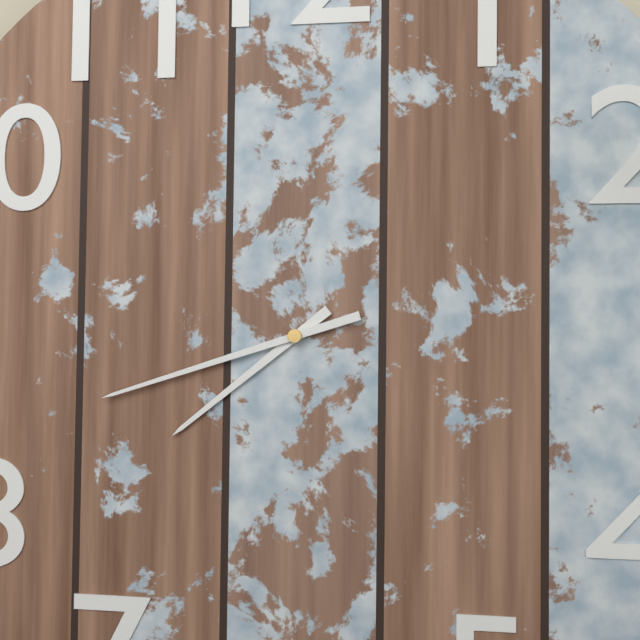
7.42
